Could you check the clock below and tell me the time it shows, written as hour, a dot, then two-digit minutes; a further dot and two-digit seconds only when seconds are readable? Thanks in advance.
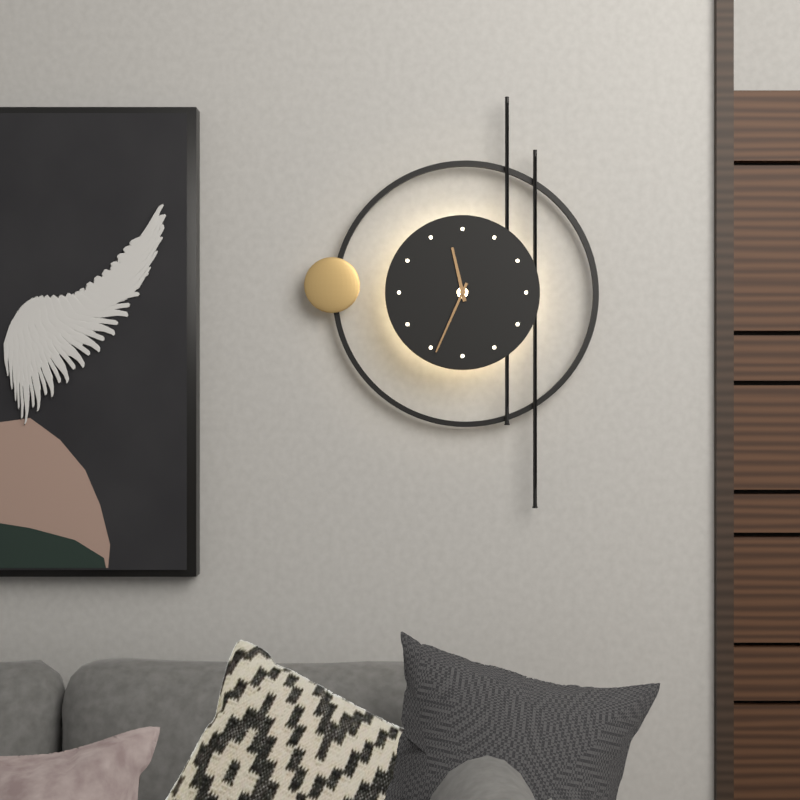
11.34
